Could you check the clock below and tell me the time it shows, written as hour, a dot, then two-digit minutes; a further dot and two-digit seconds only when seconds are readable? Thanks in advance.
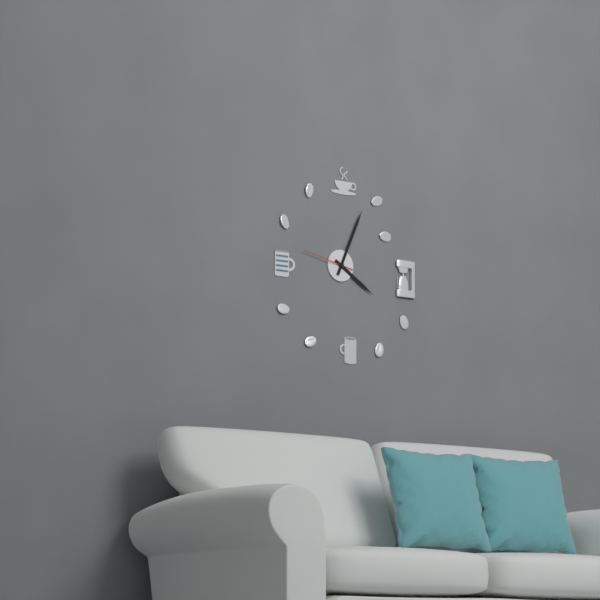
4.04.47
